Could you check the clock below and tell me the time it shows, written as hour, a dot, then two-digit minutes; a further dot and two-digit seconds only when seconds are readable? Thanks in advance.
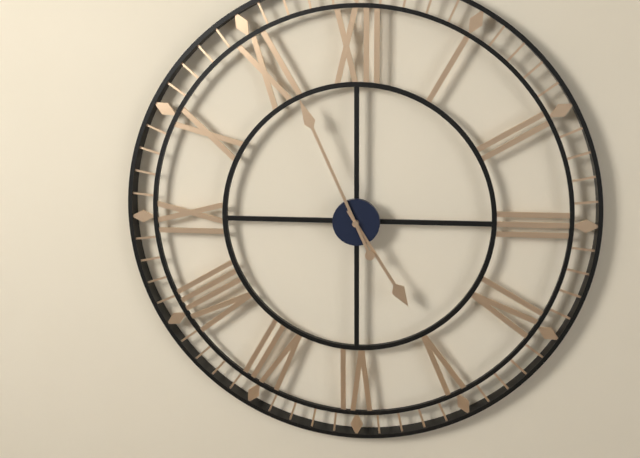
4.56
